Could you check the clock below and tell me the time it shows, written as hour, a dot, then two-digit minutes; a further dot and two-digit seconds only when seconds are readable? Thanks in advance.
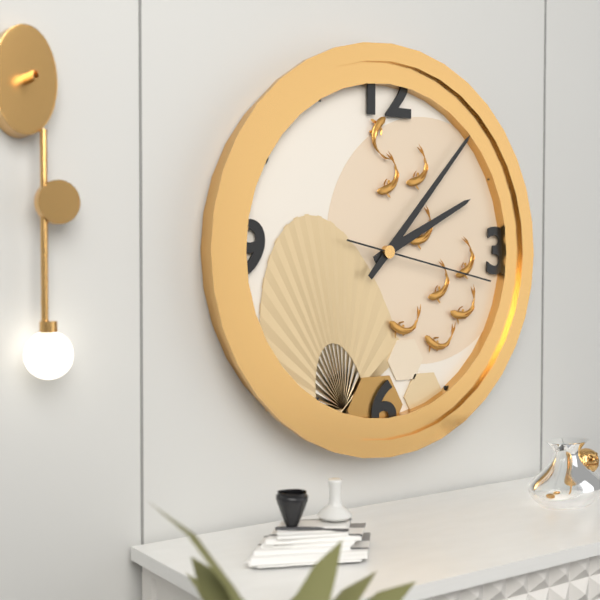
2.07.17
